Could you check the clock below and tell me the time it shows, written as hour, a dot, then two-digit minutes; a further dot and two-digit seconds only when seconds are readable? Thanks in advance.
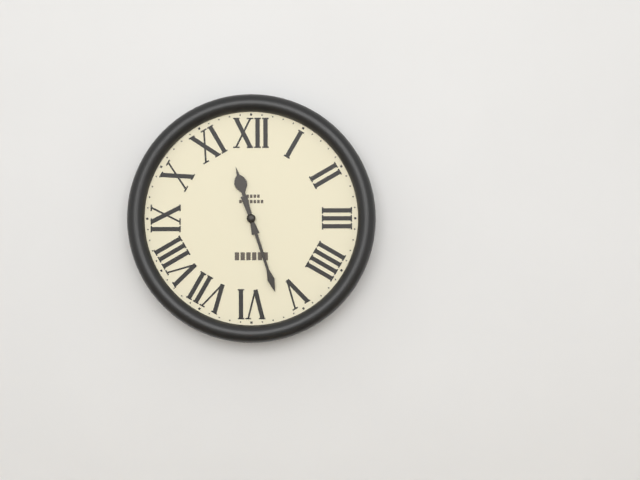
11.27
